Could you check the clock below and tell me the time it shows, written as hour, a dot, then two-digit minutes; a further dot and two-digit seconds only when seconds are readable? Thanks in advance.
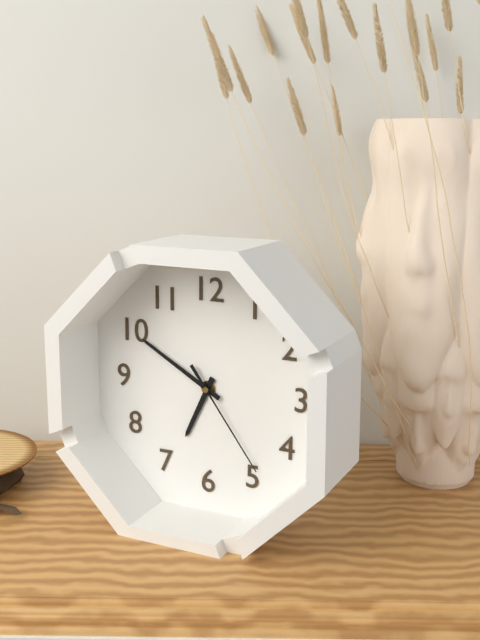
6.50.24
